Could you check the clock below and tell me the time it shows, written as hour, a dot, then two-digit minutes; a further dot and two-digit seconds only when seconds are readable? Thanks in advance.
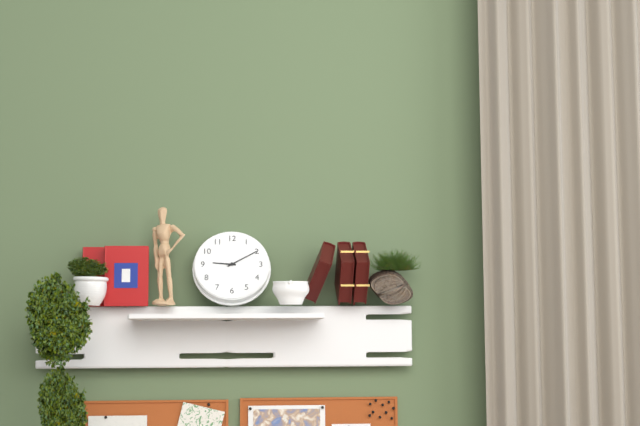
9.10
